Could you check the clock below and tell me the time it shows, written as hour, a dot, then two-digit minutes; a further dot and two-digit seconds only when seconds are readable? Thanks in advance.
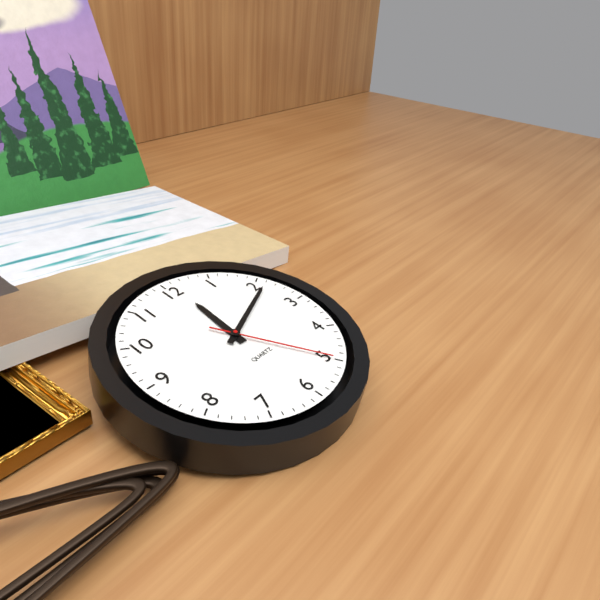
12.11.25
